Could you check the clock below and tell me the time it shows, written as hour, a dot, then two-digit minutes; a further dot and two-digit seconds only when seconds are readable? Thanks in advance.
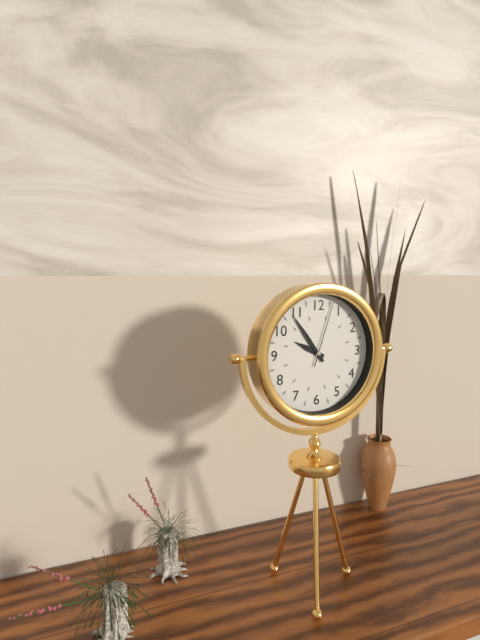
9.54.03
